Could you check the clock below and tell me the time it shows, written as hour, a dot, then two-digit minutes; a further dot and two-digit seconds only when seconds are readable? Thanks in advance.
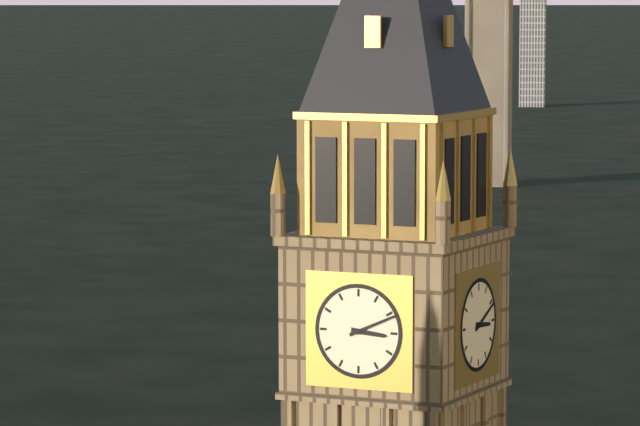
3.11
